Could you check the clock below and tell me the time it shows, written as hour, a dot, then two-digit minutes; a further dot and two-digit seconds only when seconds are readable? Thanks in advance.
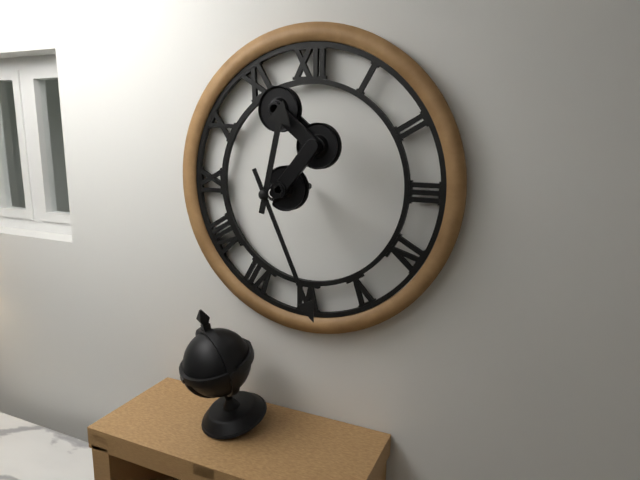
12.26
